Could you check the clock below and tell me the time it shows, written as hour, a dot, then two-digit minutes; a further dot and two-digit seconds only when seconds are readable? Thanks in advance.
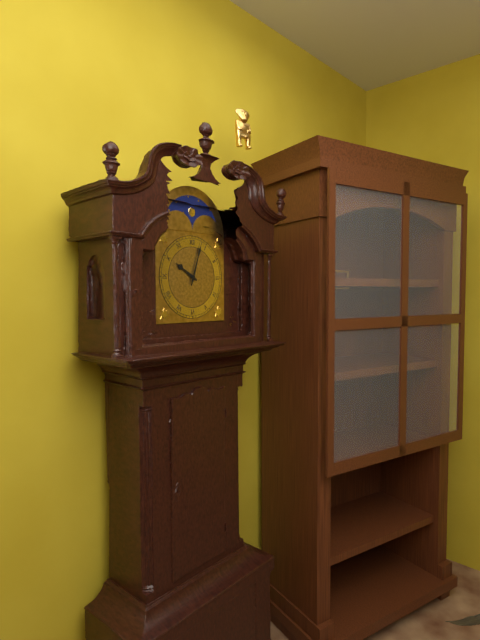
10.03
